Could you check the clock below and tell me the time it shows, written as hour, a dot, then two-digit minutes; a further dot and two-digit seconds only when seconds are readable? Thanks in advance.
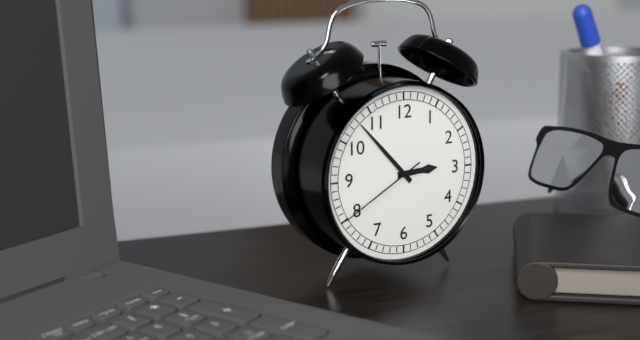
2.53.40
